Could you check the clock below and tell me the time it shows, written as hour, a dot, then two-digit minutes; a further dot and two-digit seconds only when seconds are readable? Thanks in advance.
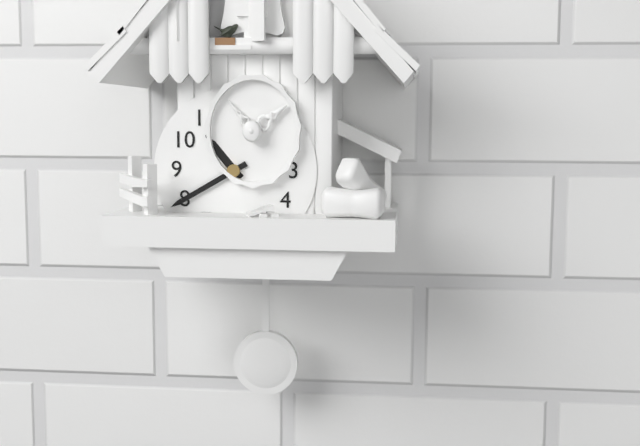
10.40
